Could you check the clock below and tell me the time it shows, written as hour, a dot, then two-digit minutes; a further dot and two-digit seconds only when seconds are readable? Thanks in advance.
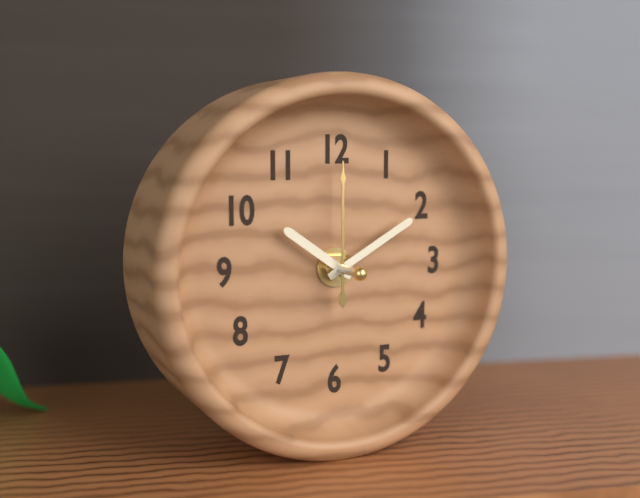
10.10.00
